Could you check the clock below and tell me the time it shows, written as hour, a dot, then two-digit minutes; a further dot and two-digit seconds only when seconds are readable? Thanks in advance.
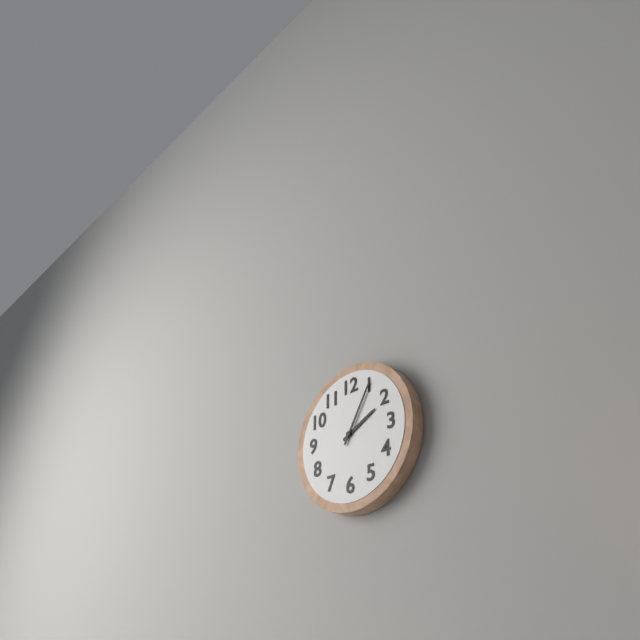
2.05
